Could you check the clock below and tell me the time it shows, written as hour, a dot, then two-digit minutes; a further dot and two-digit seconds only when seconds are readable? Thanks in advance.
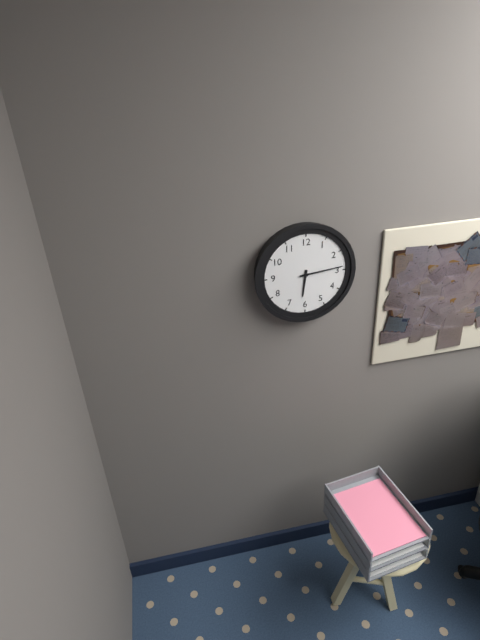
6.14
